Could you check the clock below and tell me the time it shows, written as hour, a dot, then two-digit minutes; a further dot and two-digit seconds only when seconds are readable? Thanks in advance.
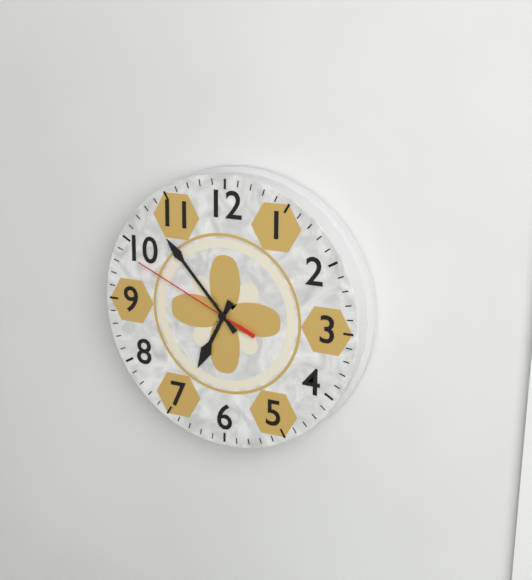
6.53.49
